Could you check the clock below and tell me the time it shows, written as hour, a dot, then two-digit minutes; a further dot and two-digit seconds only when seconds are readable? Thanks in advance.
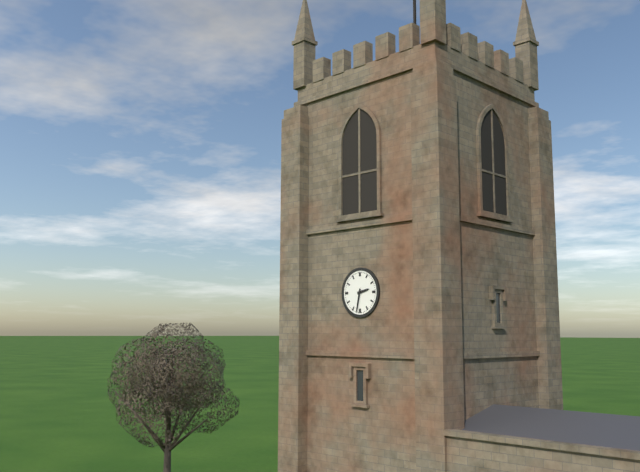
2.32
